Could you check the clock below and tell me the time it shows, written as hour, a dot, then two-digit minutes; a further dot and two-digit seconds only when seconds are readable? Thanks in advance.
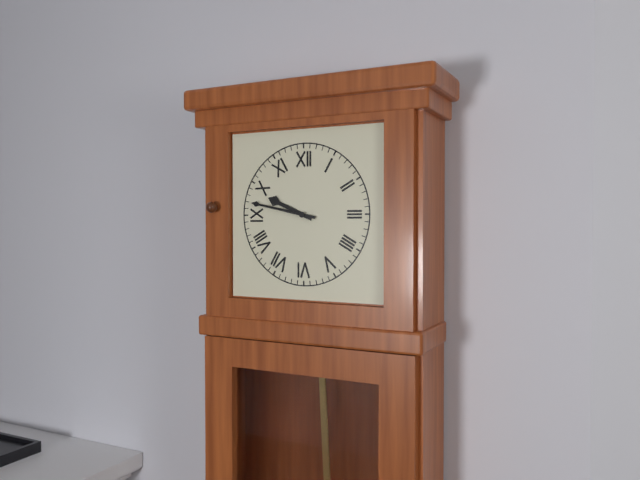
9.47
